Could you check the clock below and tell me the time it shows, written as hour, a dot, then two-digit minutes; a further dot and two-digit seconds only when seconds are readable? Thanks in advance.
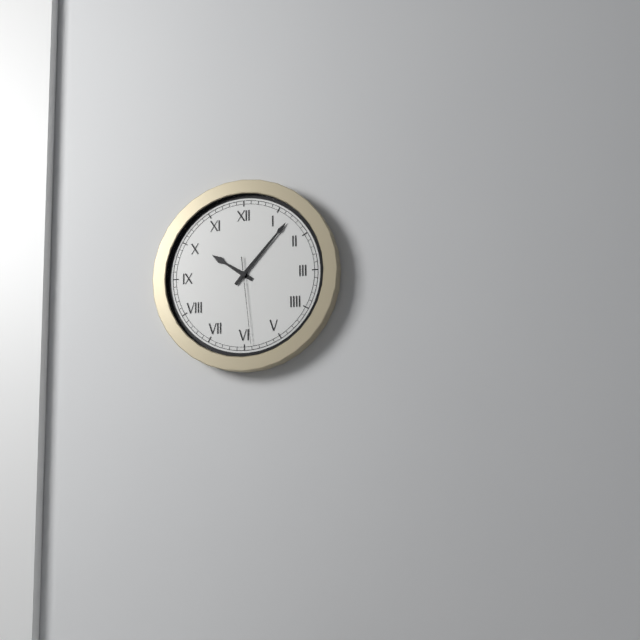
10.07.29
